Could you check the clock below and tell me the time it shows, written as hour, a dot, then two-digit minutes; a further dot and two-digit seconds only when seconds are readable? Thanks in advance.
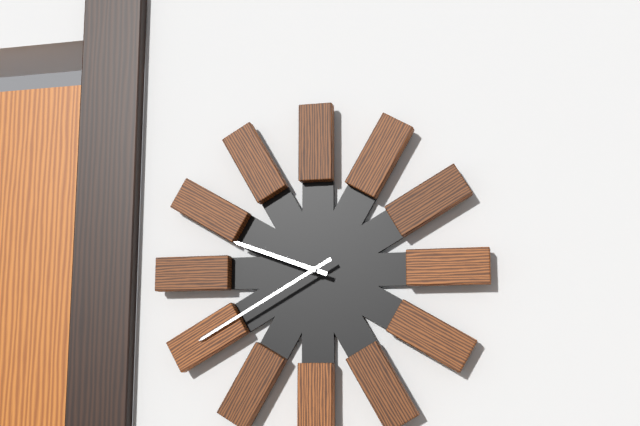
9.40
